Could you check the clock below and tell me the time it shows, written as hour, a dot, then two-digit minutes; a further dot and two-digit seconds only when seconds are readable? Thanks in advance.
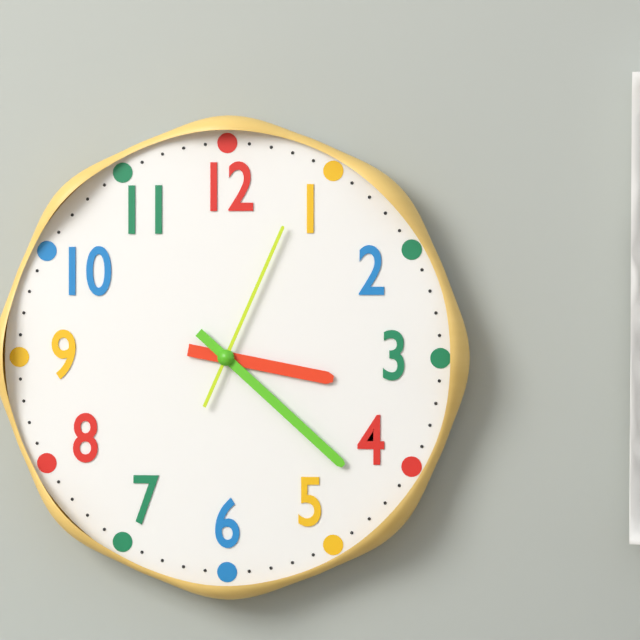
3.22.04
